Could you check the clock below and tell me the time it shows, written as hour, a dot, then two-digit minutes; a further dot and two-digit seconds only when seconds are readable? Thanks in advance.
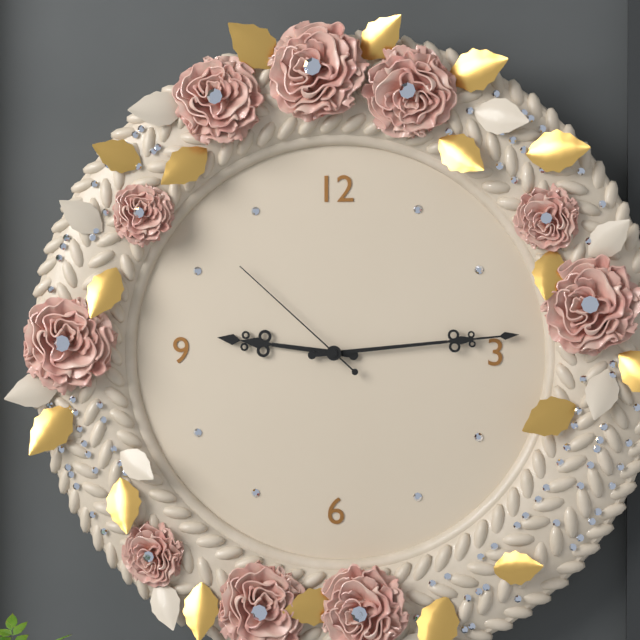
9.14.52
